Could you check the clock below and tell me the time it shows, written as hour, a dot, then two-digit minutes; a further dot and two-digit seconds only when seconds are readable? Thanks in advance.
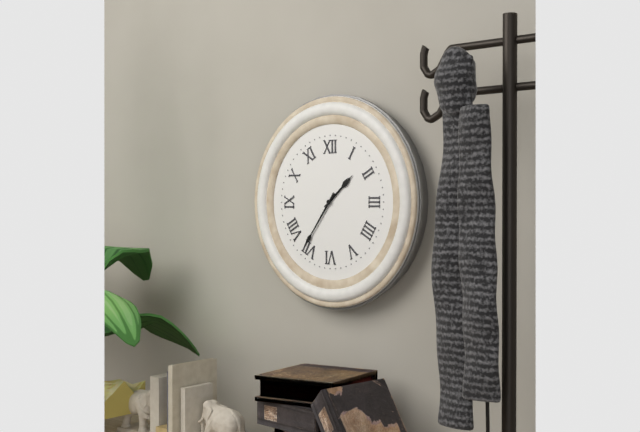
1.36
